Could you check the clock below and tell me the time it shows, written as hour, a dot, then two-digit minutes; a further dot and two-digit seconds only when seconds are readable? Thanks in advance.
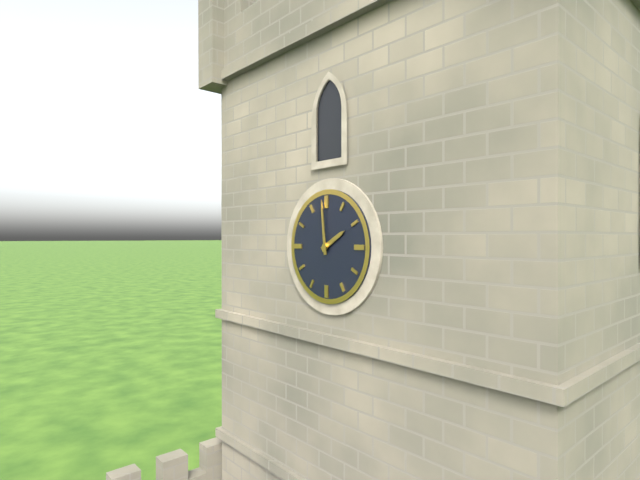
1.59
